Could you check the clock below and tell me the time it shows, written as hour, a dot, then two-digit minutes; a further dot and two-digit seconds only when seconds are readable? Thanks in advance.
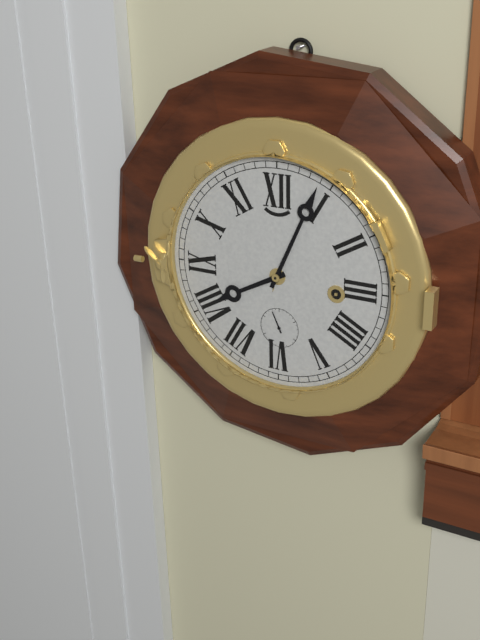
8.04
